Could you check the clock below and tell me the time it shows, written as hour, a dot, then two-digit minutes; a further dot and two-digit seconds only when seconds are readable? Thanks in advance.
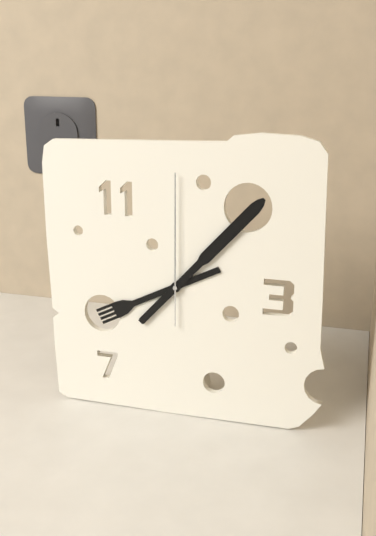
8.07.00
